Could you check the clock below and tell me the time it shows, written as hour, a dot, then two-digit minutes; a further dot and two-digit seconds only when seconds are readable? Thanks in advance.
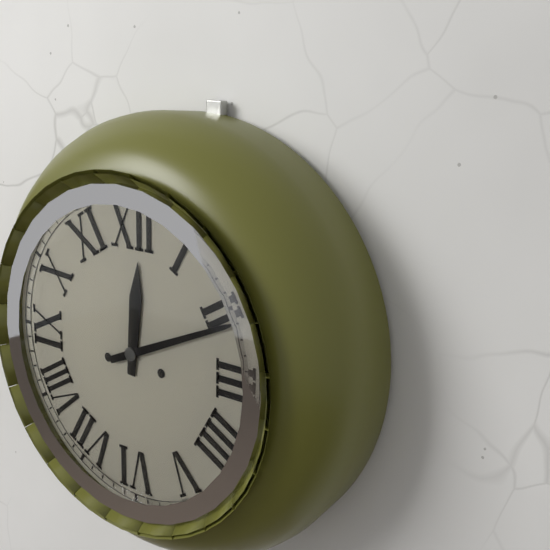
12.11
